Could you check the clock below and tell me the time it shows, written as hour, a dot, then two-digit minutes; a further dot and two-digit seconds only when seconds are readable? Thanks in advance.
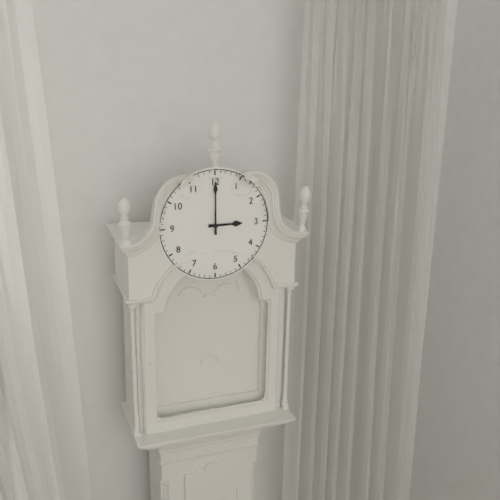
3.00
